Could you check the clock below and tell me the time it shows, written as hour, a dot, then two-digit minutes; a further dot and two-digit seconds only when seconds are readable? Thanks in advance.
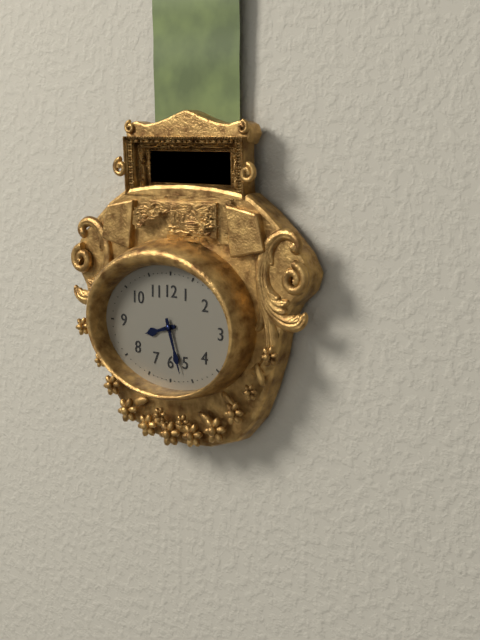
8.27
